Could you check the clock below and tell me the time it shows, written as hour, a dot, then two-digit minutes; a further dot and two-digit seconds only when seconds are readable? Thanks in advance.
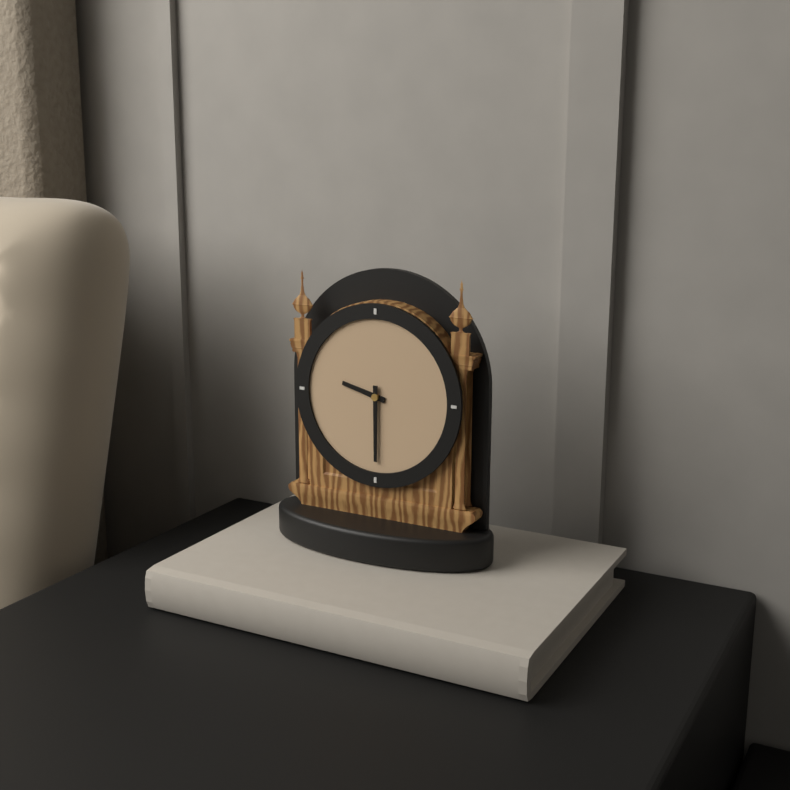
9.30
